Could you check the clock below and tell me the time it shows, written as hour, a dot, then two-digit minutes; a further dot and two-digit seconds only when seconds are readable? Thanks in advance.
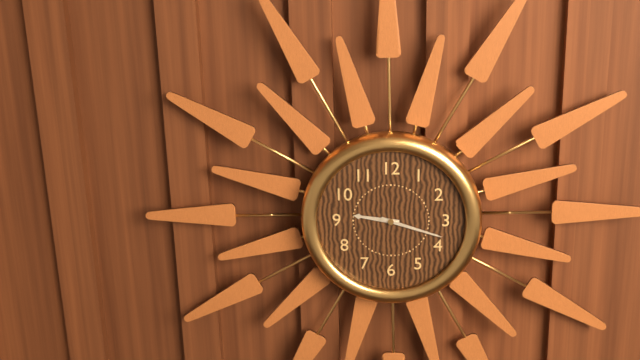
9.18
